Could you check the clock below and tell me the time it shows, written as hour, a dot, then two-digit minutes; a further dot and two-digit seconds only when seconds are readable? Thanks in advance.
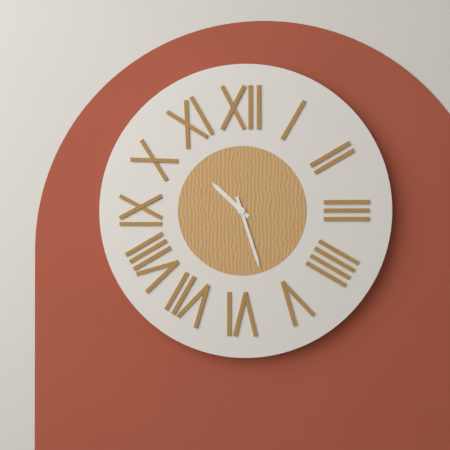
10.27
